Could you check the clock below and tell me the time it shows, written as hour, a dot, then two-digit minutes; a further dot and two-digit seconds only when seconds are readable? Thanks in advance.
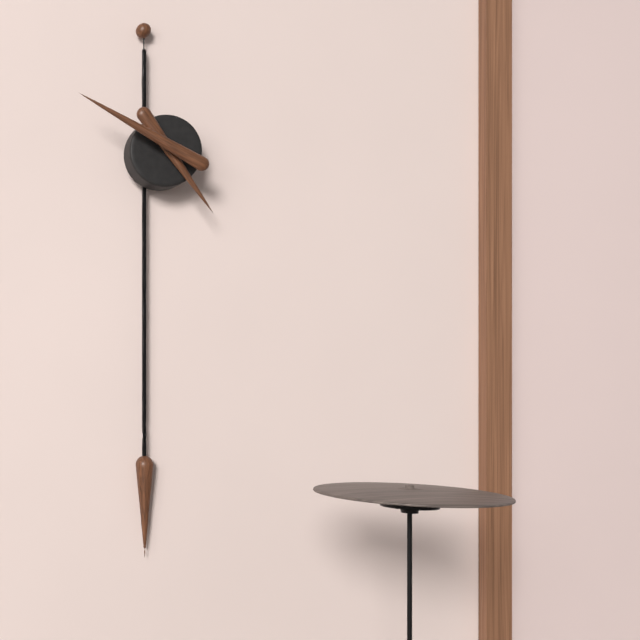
4.50
